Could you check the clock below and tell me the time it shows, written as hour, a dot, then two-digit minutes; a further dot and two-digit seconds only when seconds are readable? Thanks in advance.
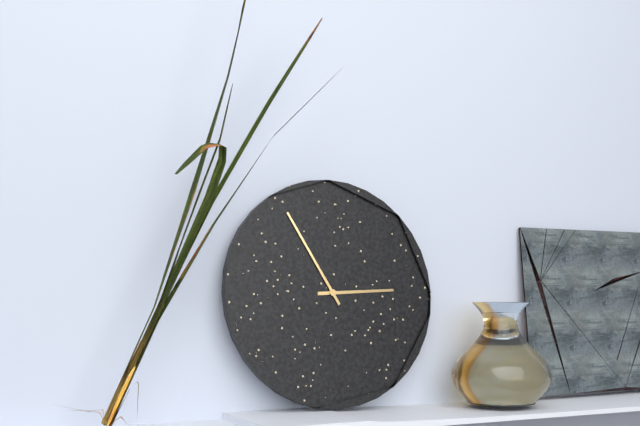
2.55
